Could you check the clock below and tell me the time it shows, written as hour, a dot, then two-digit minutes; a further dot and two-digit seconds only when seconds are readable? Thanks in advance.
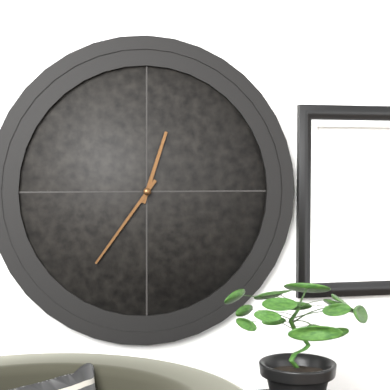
12.36
